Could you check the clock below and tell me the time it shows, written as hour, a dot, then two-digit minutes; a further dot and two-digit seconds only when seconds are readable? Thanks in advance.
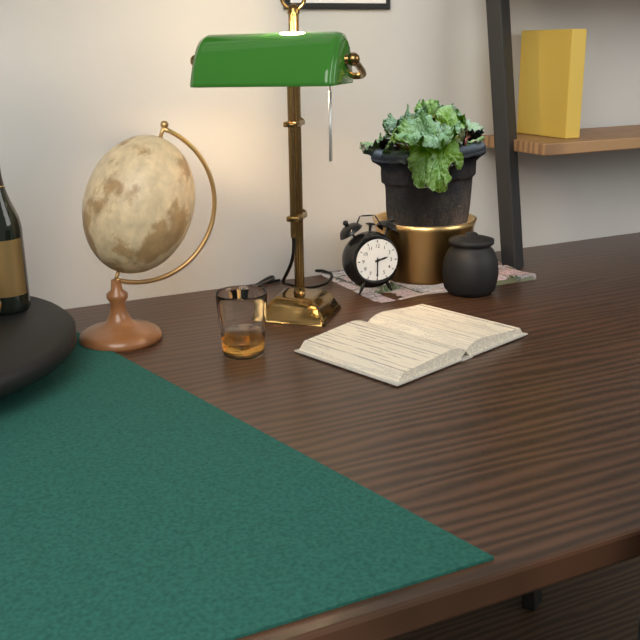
2.30
